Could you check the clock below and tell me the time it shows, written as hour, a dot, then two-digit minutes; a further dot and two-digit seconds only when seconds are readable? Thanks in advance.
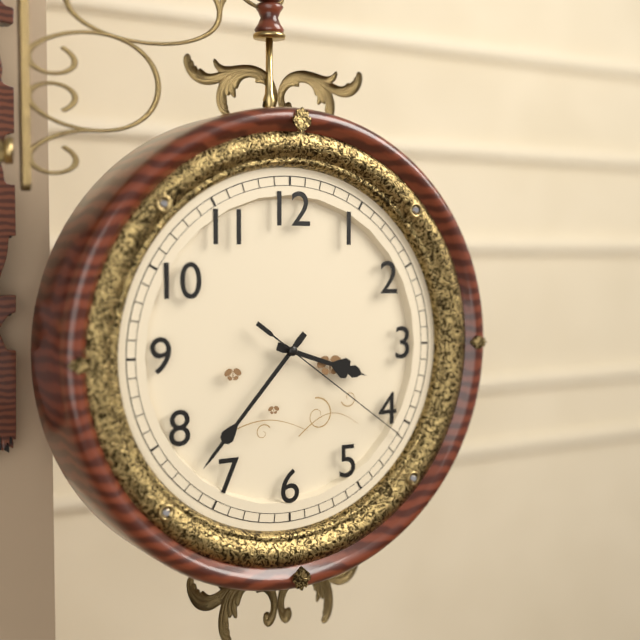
3.37.21
